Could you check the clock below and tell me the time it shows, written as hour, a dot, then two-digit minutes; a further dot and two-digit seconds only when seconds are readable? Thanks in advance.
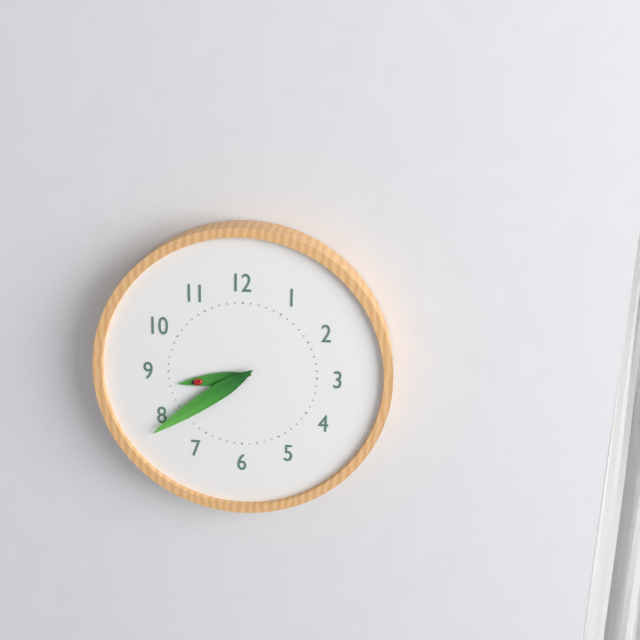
8.39
